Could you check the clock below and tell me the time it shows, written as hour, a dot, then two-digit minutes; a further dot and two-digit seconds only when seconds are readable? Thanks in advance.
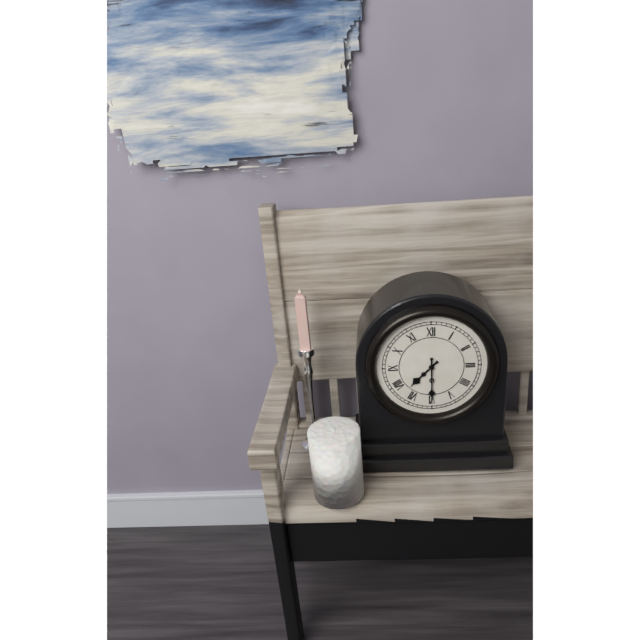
7.30
